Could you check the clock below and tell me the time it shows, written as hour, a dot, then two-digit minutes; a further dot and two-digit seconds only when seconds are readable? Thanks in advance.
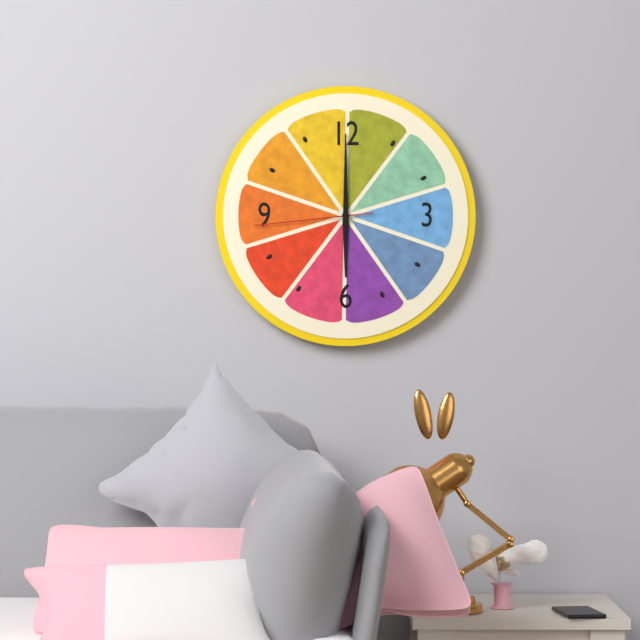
6.00.44
